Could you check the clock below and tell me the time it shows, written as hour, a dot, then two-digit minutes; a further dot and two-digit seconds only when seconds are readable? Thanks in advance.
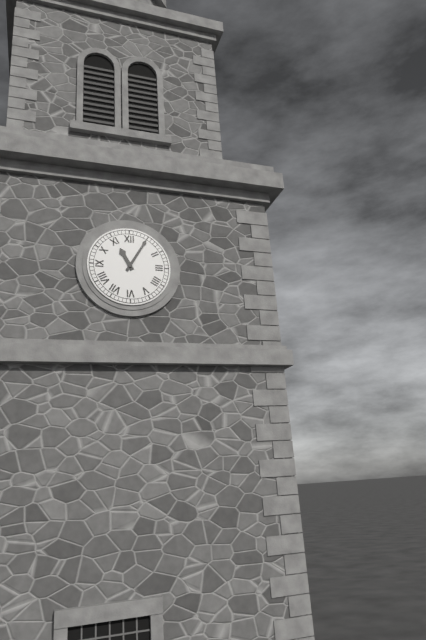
11.05
